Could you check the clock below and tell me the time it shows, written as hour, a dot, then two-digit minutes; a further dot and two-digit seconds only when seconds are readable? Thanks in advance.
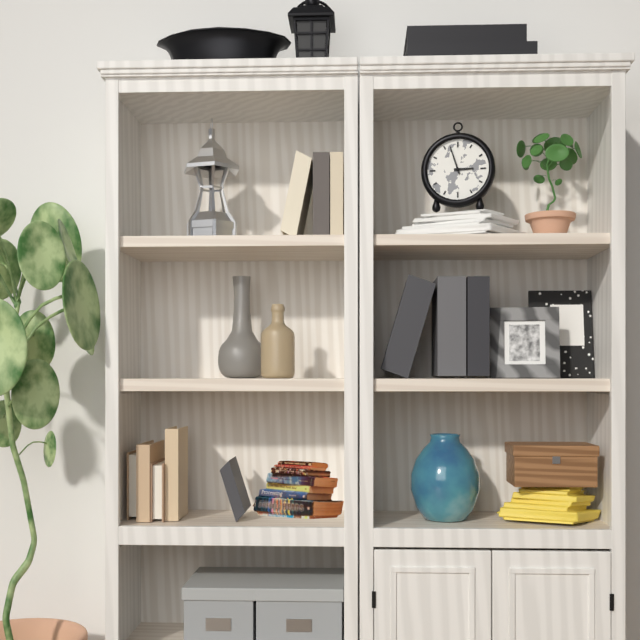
2.57
